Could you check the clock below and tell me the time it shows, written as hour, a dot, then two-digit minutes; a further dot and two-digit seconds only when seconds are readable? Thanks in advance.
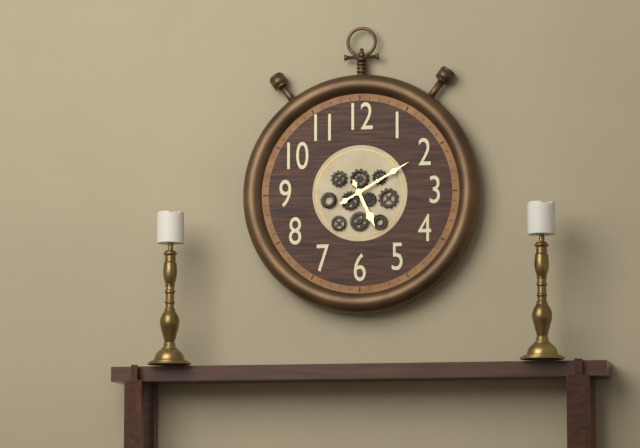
5.10
